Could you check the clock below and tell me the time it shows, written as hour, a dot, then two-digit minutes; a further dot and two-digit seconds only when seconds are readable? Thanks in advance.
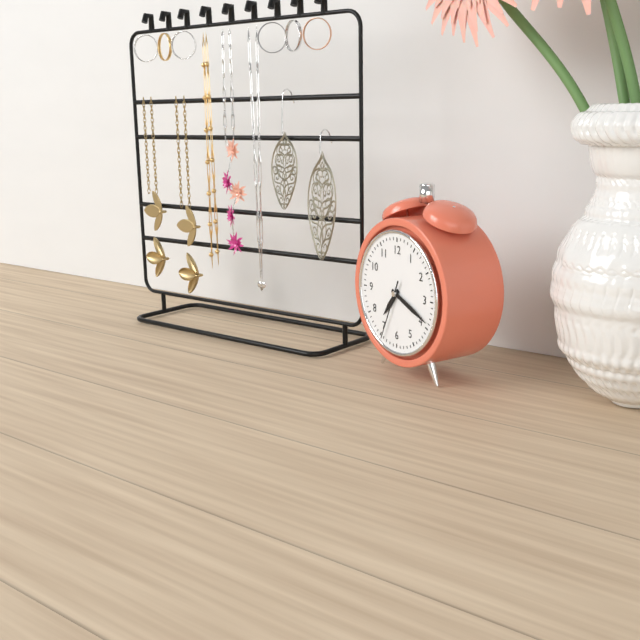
7.19.34
